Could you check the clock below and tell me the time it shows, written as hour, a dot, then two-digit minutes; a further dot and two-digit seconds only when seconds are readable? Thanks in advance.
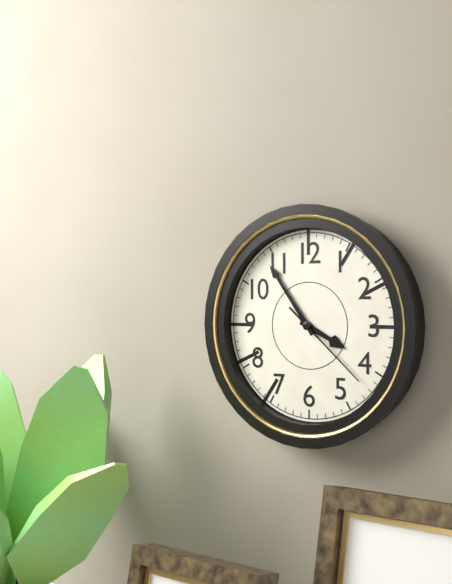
3.54.22
